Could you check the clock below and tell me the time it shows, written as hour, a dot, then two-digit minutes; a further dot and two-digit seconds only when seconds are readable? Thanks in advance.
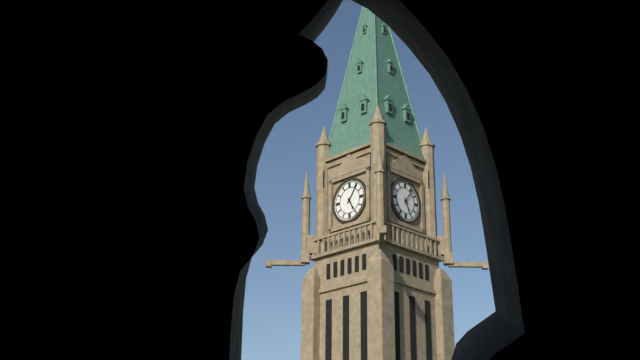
5.06
